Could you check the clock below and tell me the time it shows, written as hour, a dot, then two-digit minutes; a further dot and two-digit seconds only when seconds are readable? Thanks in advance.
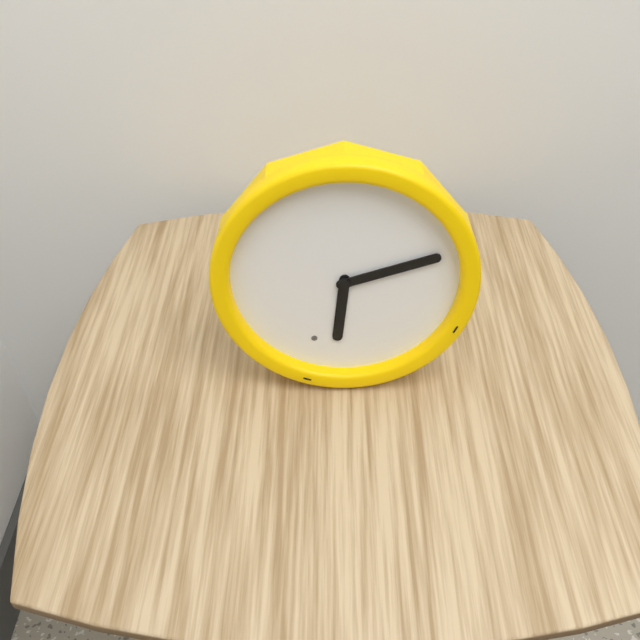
6.12
